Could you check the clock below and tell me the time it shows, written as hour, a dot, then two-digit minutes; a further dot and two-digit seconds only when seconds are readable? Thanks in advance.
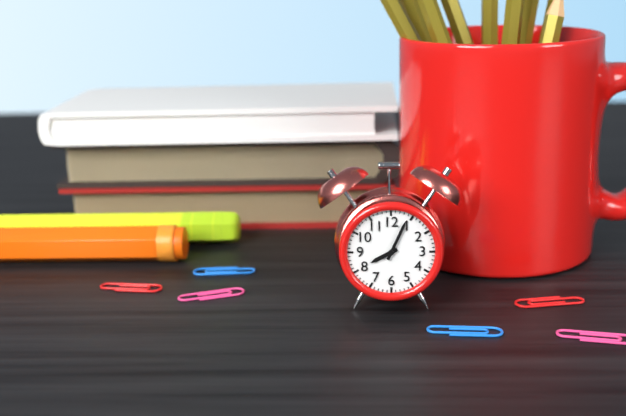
8.04
